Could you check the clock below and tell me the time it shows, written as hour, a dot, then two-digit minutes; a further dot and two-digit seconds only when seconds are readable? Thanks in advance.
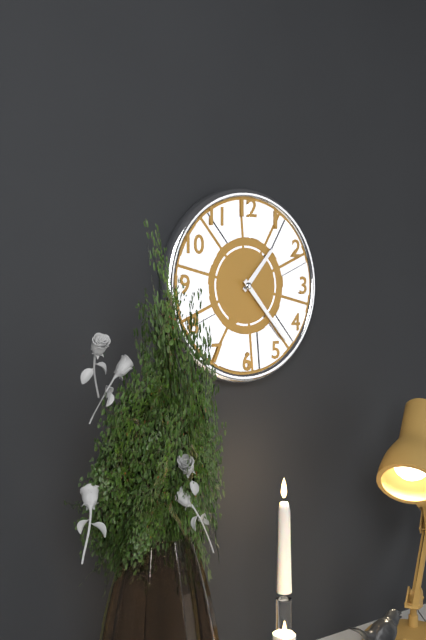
1.23
